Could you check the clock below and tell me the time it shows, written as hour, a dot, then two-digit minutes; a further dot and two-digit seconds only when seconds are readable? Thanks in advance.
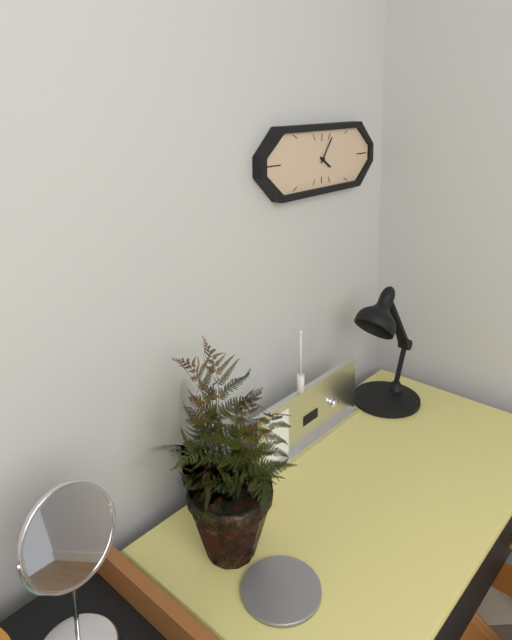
4.06
